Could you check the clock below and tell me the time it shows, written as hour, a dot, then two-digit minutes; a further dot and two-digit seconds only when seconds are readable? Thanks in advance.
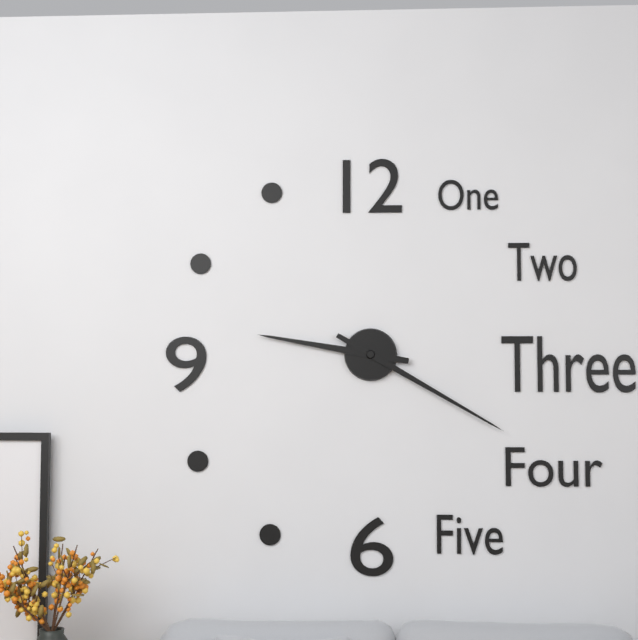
9.20
